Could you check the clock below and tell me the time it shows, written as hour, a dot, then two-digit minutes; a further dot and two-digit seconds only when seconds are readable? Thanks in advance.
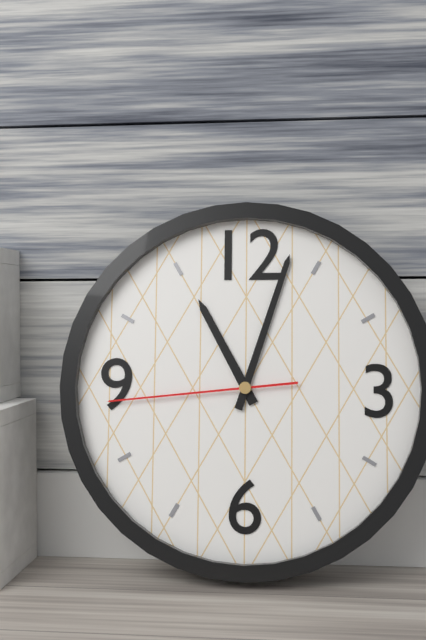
11.03.44
